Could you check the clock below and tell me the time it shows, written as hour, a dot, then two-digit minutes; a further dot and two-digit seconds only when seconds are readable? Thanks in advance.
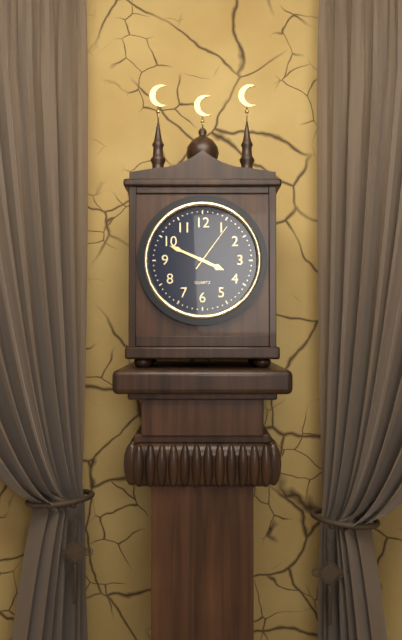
3.49.06
